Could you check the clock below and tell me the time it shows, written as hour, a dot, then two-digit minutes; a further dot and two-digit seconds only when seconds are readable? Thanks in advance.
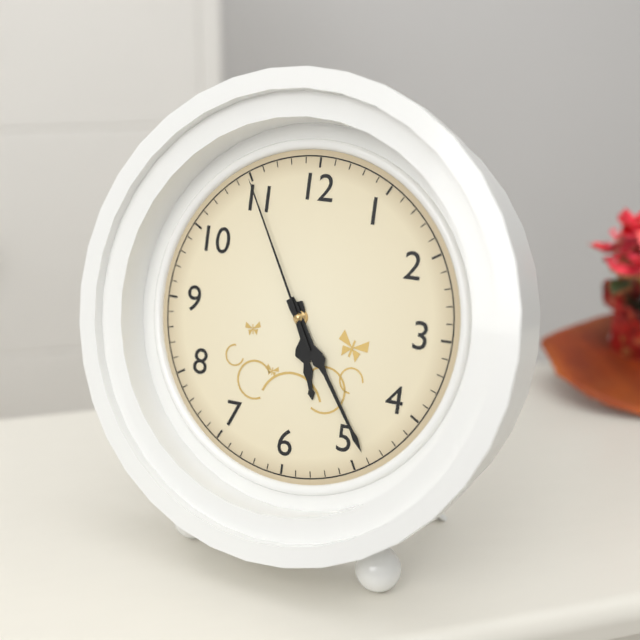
5.24.55
